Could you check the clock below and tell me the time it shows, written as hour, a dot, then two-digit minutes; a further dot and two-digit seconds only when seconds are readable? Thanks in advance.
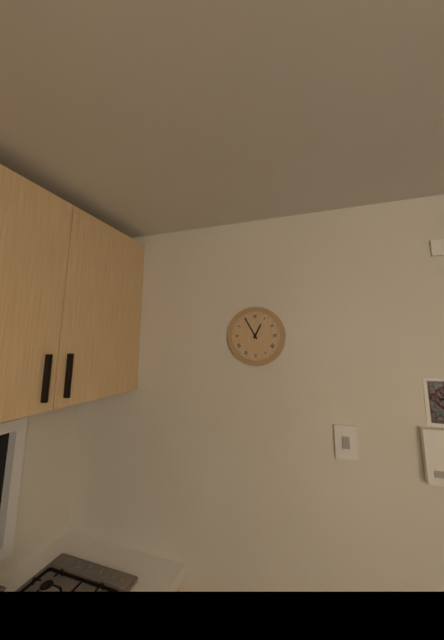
12.55
